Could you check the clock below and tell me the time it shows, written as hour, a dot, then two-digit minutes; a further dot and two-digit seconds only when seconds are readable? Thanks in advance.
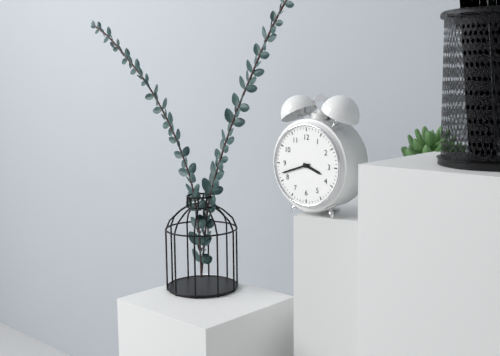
3.42
